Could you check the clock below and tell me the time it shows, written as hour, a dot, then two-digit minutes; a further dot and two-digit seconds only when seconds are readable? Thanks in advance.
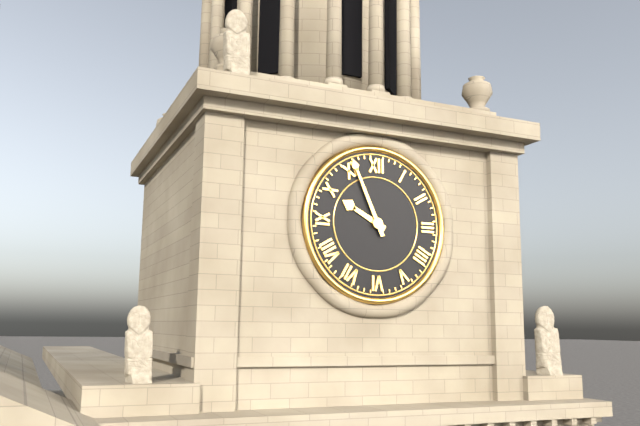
9.56
